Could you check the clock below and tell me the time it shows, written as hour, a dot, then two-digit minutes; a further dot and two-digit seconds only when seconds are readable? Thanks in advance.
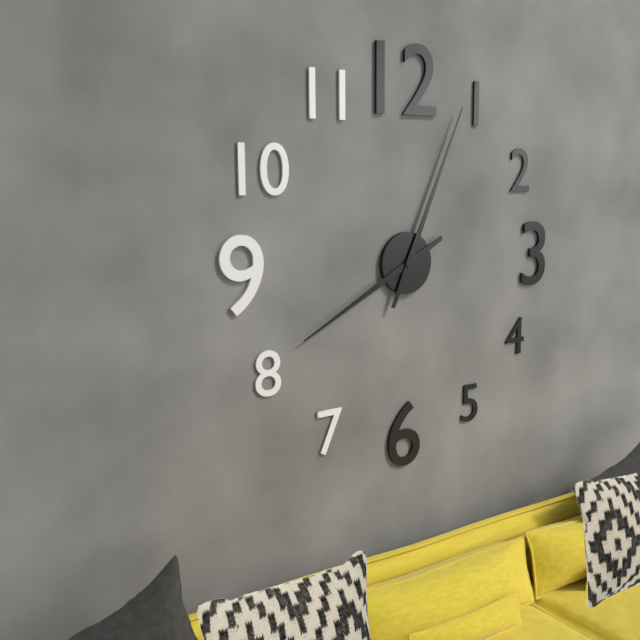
8.04
